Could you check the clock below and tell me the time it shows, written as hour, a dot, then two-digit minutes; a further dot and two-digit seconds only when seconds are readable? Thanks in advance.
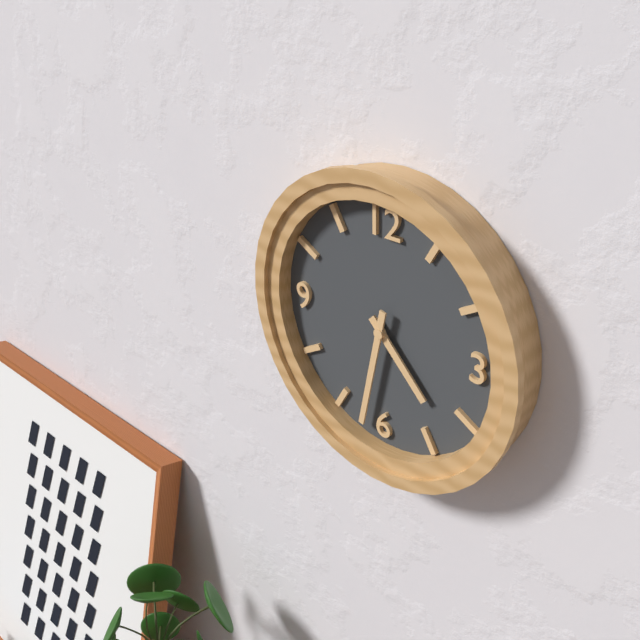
4.32
